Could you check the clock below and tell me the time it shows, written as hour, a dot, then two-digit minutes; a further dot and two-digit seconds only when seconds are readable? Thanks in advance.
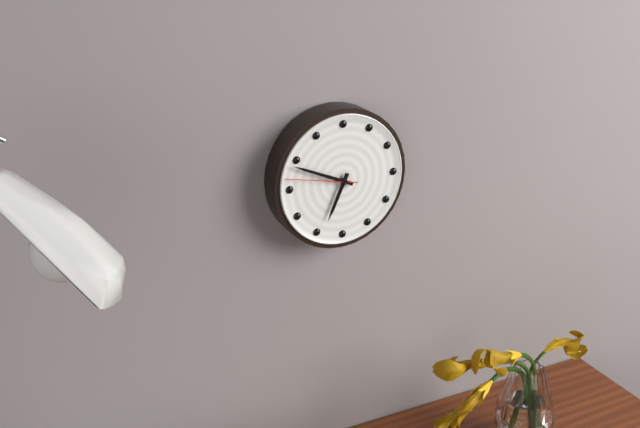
6.49.47
